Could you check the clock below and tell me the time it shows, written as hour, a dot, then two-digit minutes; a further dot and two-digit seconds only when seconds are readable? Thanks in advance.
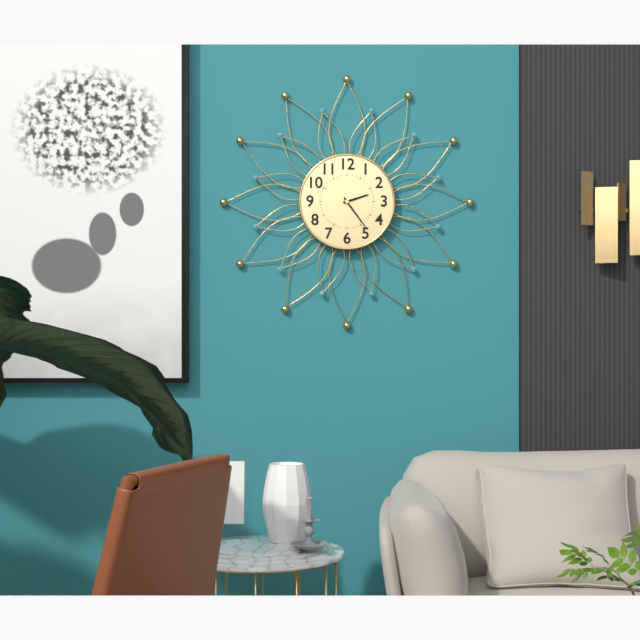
2.24
